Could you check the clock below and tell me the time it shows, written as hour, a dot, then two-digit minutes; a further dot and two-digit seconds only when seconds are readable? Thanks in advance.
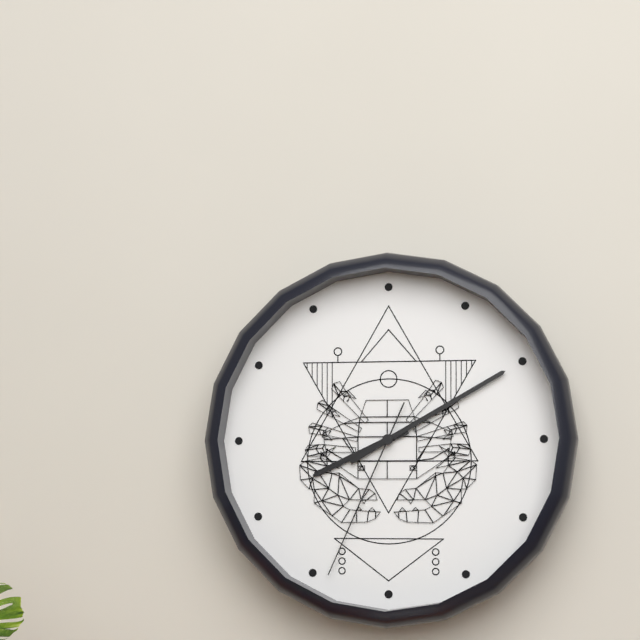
8.10.34
